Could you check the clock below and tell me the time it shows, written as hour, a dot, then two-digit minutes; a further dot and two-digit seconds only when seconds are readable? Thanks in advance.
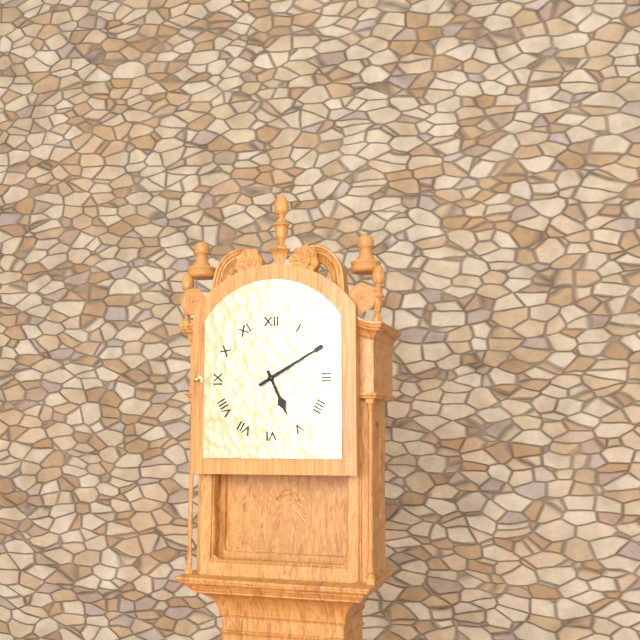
5.10
